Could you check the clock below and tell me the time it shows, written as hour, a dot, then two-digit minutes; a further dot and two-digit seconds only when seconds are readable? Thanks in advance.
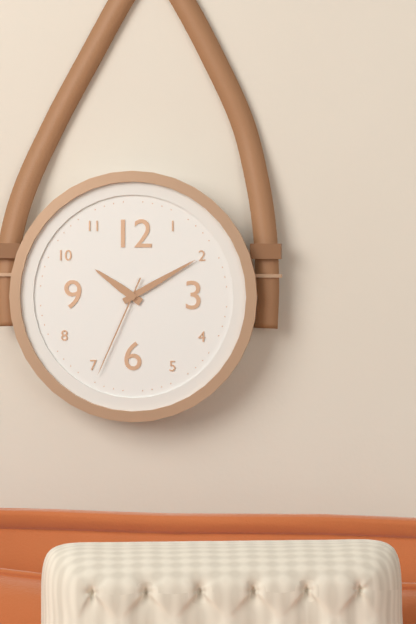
10.10.34
